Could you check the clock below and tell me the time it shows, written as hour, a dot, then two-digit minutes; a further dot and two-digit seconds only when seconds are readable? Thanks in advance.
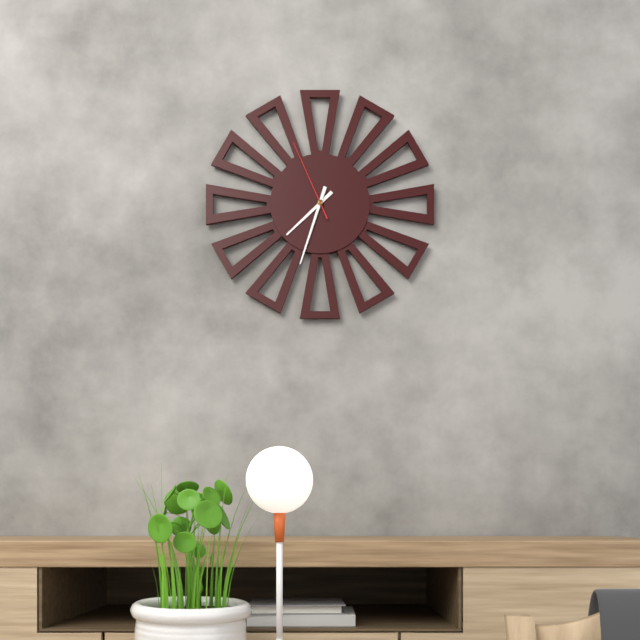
7.33.56
